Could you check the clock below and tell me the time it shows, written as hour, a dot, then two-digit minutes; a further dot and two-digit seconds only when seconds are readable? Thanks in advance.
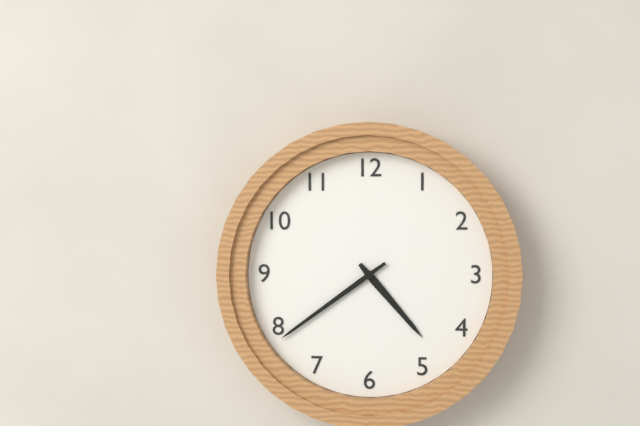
4.39
